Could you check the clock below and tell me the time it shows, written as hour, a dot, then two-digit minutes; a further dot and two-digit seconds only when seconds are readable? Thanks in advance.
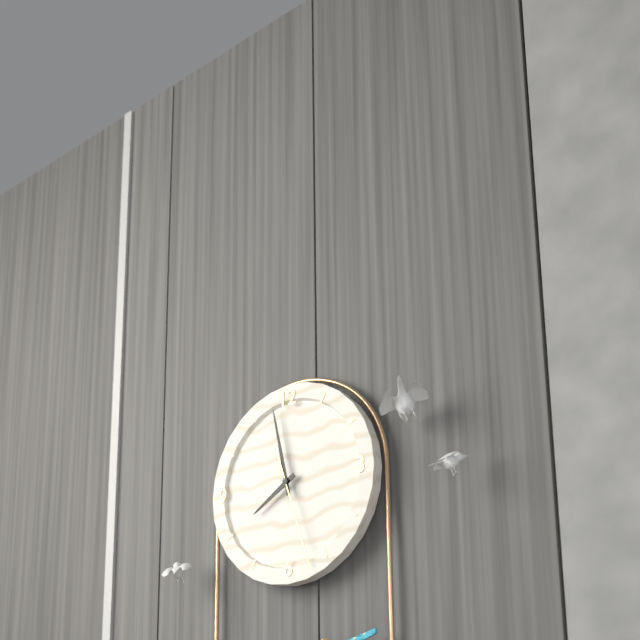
7.58.27
